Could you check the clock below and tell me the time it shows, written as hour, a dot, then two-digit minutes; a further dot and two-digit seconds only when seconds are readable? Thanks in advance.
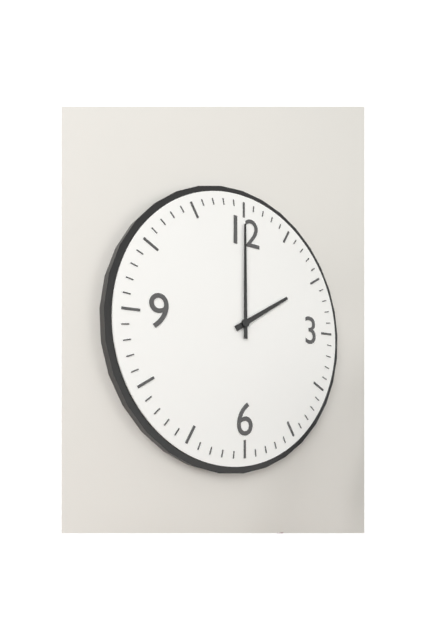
2.00
